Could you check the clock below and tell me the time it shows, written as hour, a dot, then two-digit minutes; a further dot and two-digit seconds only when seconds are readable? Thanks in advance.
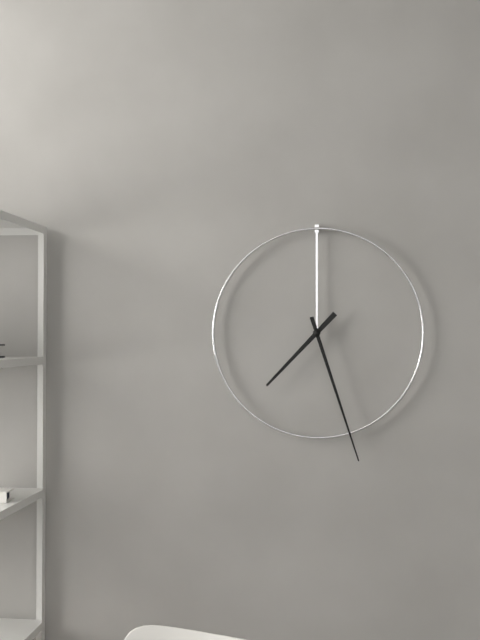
7.27
